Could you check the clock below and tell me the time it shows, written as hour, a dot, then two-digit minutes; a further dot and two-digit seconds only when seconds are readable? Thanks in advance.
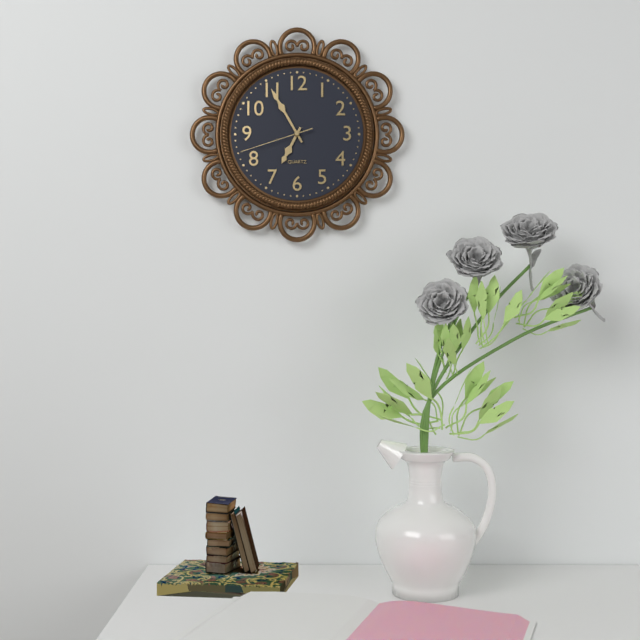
6.55.42
